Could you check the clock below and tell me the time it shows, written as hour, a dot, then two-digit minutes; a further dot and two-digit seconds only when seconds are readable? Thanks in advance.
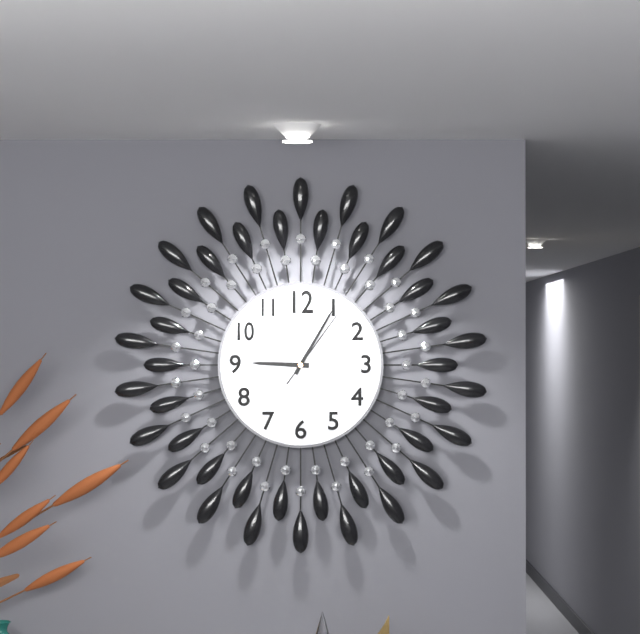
9.05.06
